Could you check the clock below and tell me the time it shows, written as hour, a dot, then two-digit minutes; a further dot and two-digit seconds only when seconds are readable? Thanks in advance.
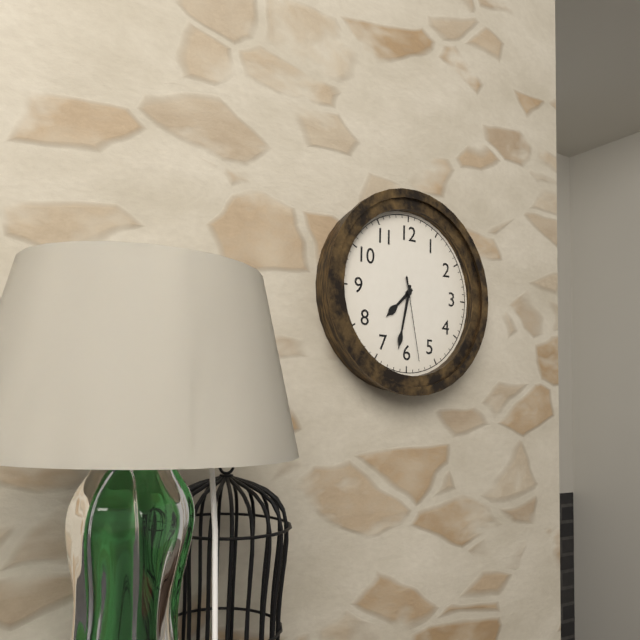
7.32.28
